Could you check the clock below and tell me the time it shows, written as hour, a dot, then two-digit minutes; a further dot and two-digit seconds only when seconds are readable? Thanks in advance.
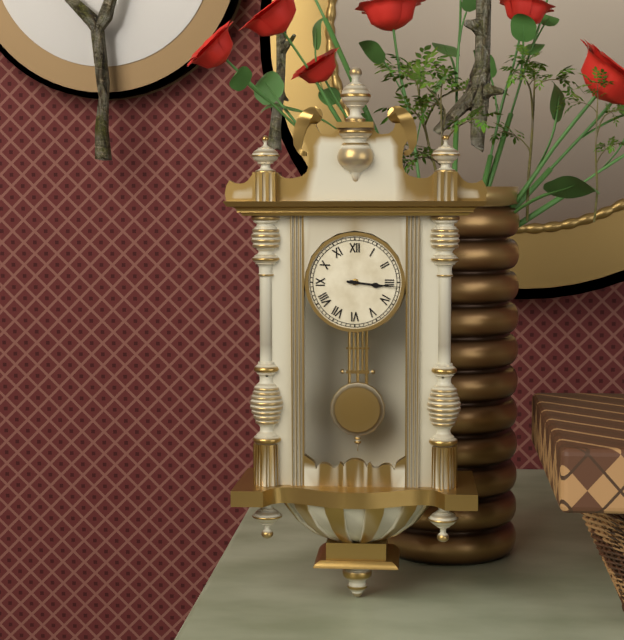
3.16
